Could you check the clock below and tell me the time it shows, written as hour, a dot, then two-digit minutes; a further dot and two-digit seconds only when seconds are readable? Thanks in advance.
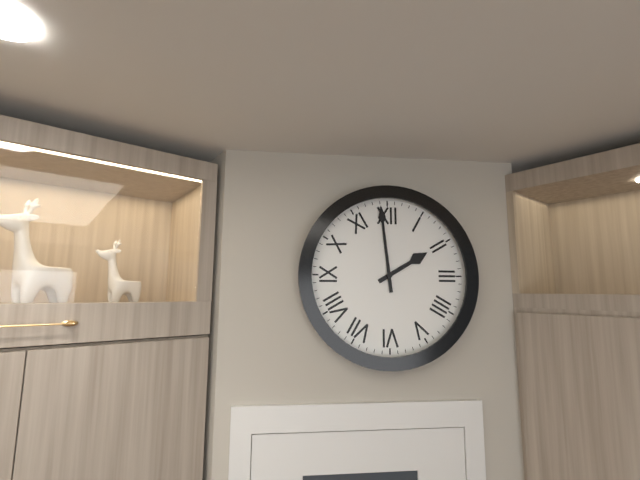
1.59
